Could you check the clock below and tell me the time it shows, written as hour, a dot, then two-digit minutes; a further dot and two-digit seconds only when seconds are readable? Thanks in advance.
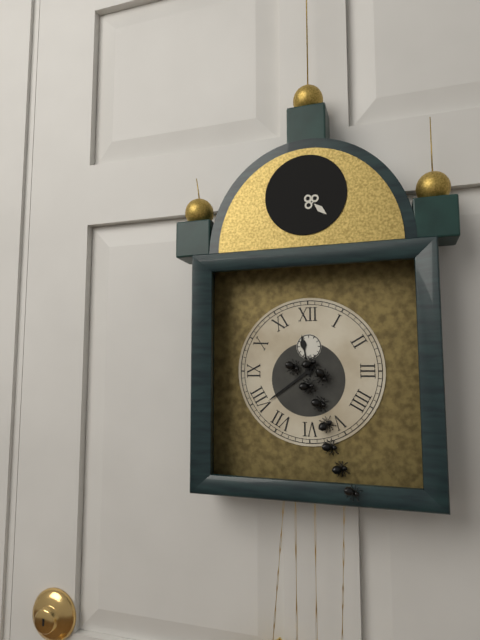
11.39
